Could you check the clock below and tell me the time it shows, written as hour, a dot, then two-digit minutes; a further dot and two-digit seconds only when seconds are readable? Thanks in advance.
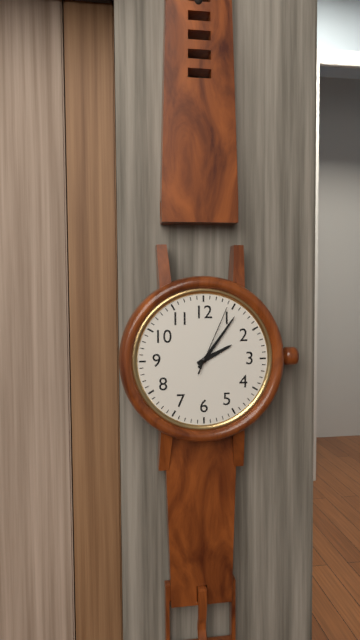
2.06.04
